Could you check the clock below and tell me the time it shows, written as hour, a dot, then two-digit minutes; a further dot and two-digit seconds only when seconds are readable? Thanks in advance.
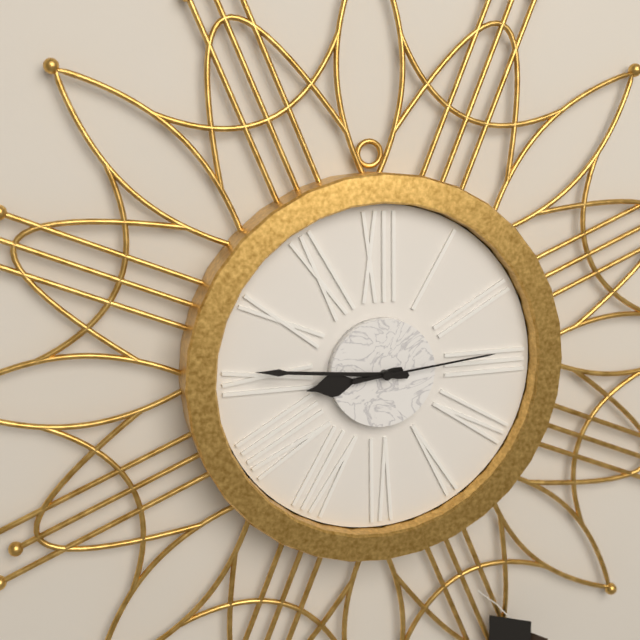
8.46.14
